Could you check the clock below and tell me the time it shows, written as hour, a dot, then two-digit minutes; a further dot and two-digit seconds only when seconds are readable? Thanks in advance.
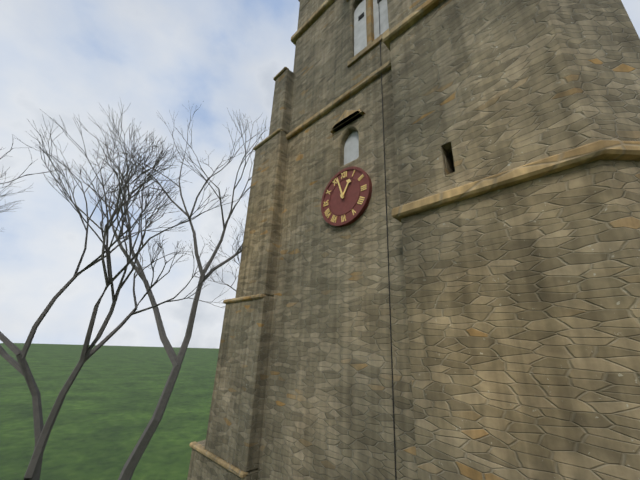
12.57
